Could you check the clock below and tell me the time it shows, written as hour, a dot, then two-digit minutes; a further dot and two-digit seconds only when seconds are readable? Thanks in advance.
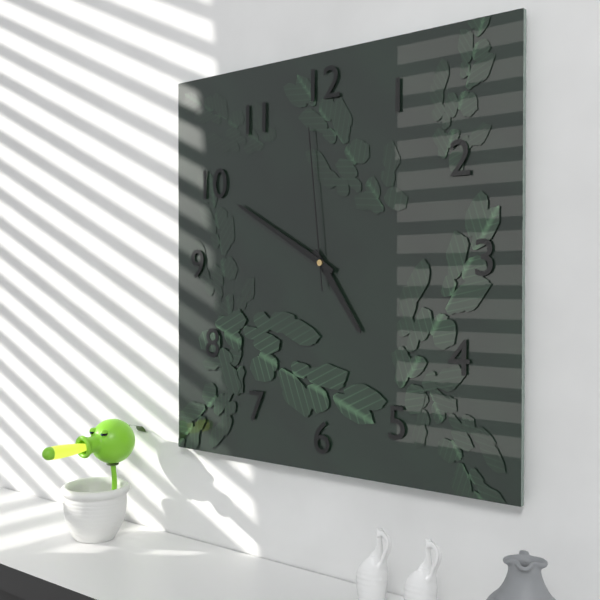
4.50.59
